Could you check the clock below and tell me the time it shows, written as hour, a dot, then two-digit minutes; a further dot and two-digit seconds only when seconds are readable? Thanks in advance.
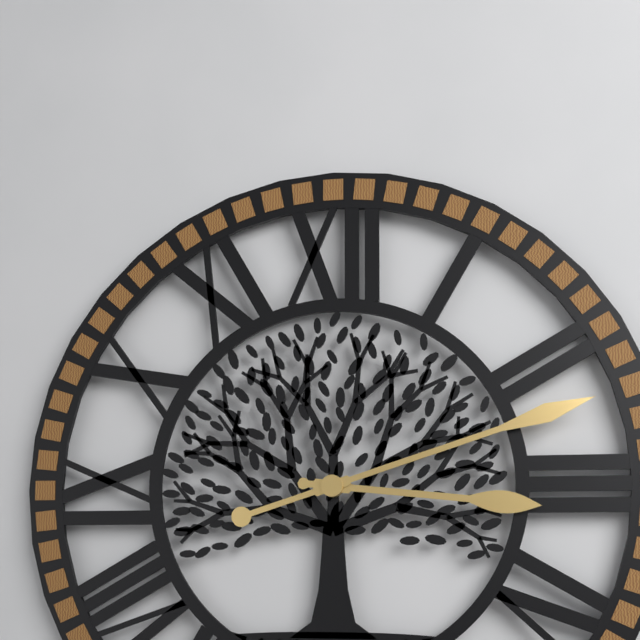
3.12
